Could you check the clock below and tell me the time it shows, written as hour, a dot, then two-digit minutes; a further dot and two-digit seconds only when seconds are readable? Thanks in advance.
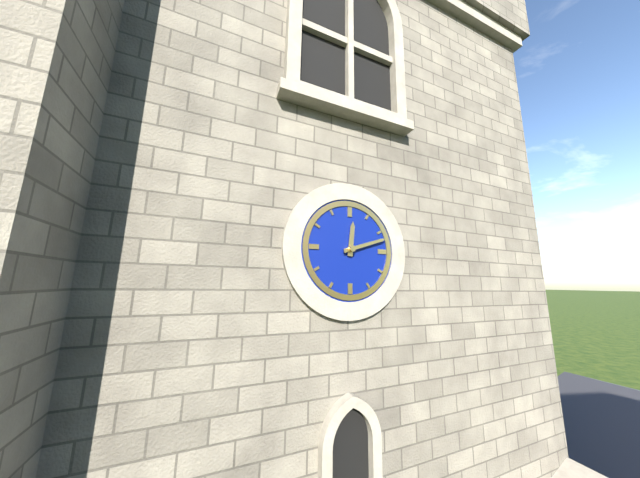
12.12
